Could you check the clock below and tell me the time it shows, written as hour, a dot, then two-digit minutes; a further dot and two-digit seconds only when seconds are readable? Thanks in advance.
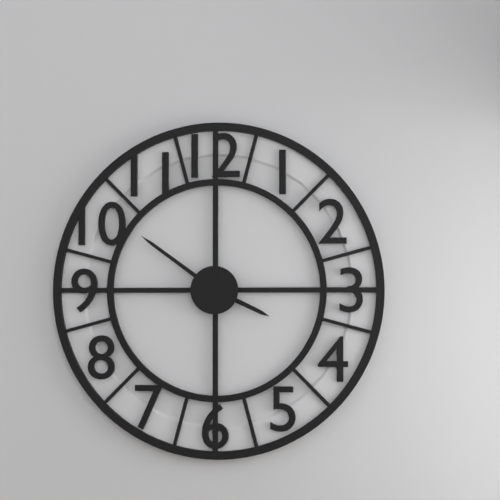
3.51
